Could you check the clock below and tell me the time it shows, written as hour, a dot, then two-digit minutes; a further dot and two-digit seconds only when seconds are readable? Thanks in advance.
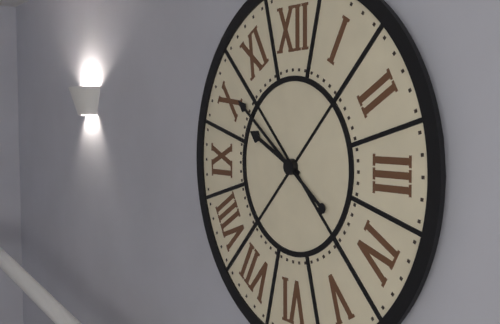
9.51
